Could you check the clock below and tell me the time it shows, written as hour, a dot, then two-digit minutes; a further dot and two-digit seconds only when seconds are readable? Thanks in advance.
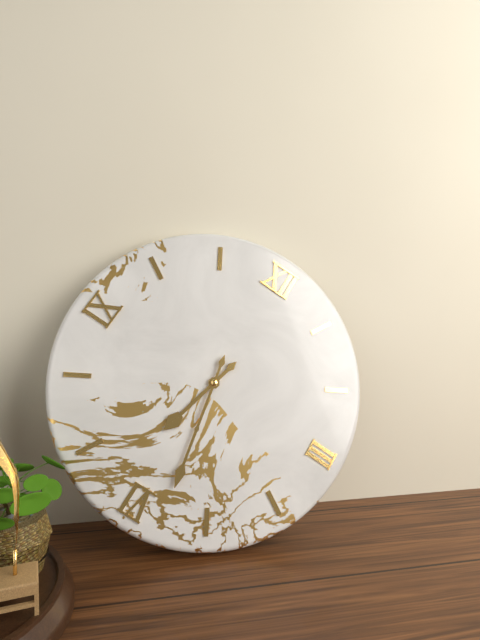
6.28
